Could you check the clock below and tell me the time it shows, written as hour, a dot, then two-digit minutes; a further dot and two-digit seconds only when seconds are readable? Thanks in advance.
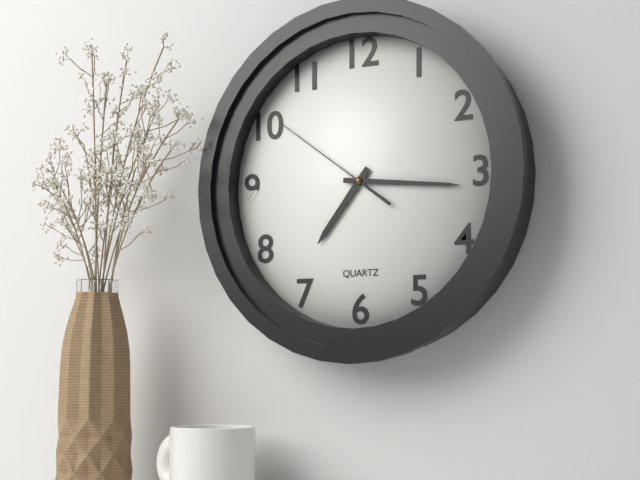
7.16.51
